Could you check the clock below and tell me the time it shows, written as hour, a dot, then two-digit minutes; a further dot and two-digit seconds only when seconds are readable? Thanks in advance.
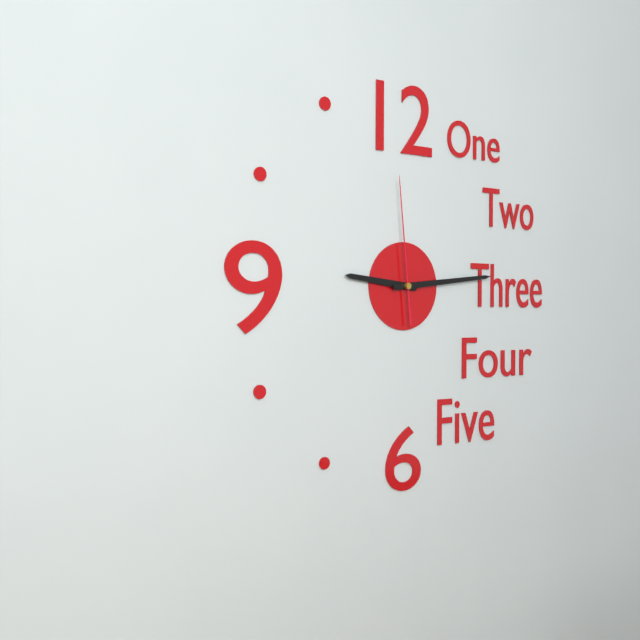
9.14.59
